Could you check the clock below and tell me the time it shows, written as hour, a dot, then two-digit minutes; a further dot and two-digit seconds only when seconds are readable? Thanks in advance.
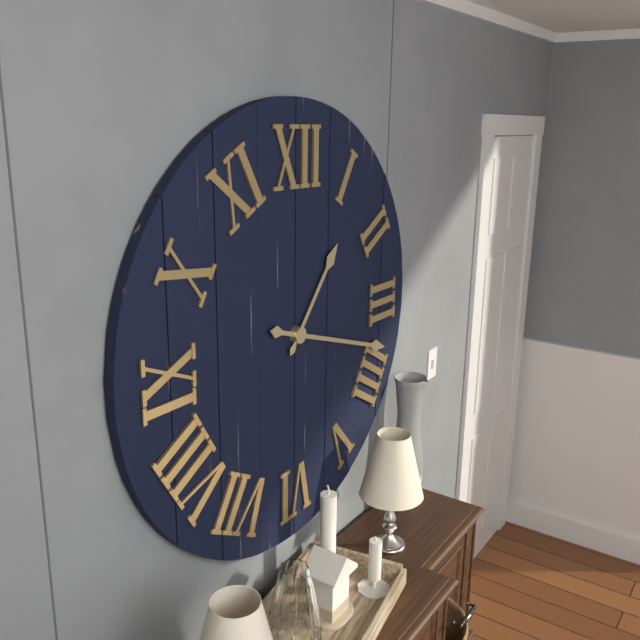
1.18
